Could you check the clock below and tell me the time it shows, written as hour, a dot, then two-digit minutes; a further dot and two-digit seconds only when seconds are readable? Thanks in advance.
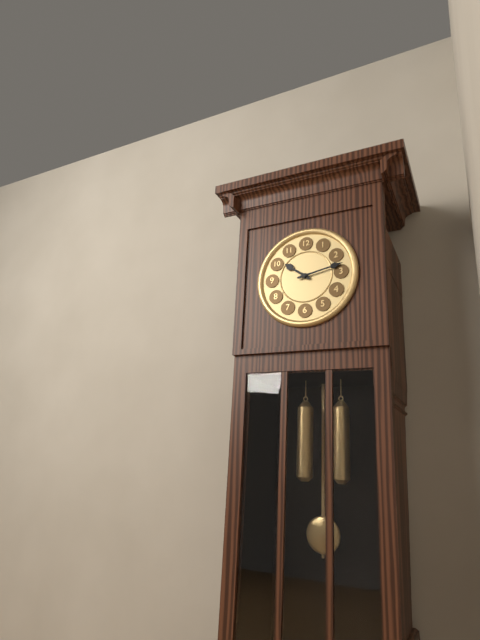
10.13
